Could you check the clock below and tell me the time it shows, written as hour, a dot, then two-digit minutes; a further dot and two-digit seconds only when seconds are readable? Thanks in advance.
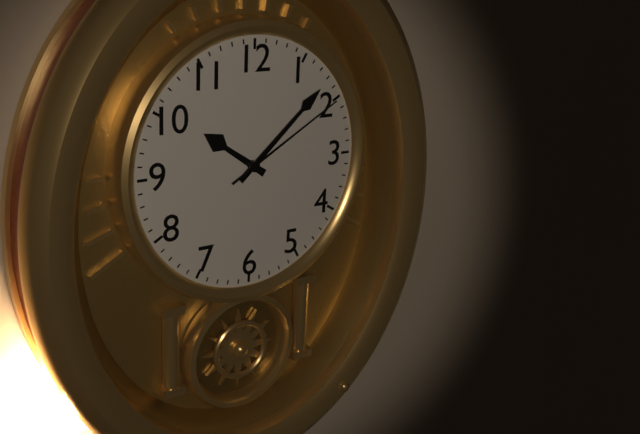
10.08.10
